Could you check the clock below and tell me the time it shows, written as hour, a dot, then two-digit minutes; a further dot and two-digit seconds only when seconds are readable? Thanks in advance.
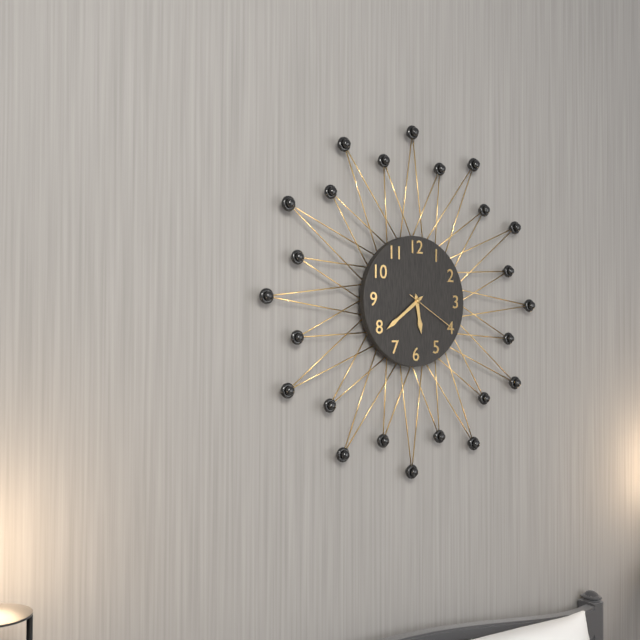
5.39.20
